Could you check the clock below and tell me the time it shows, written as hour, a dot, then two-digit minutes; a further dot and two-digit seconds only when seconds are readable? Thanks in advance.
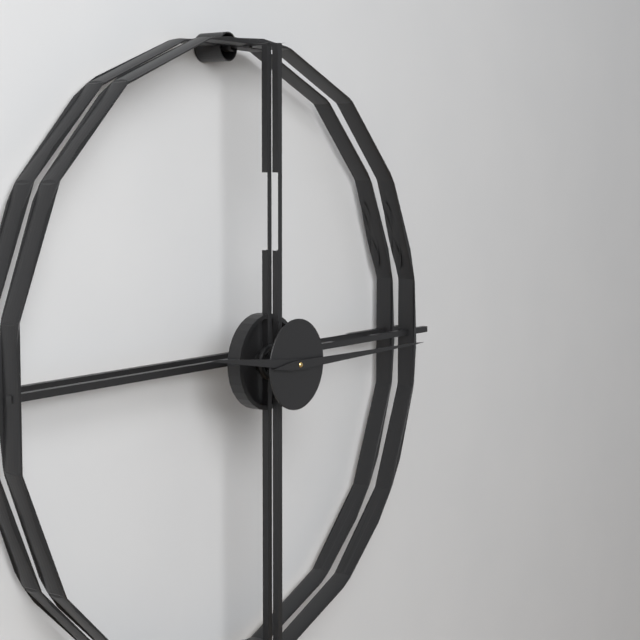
9.15
